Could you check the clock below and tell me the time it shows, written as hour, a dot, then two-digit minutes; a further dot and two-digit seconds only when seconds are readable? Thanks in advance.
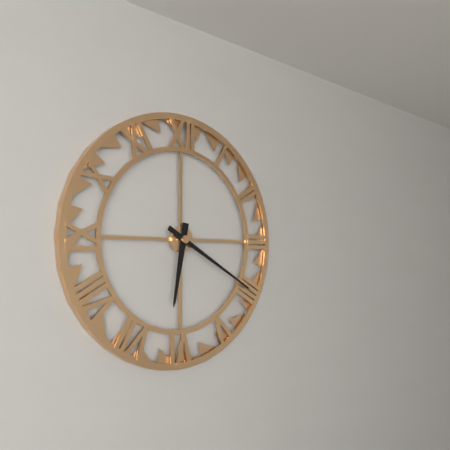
6.20
